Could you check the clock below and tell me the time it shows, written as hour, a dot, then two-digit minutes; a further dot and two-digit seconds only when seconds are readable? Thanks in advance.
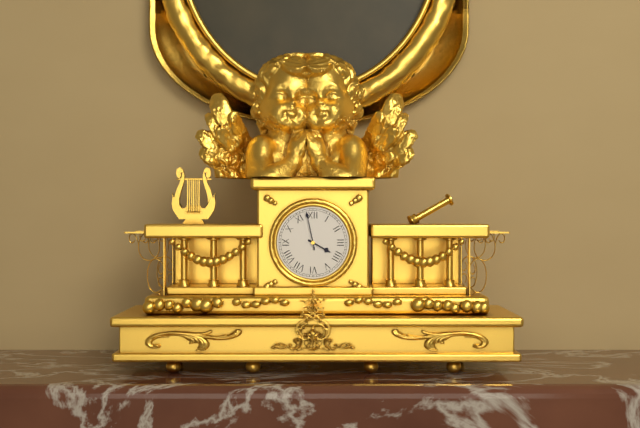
3.58
